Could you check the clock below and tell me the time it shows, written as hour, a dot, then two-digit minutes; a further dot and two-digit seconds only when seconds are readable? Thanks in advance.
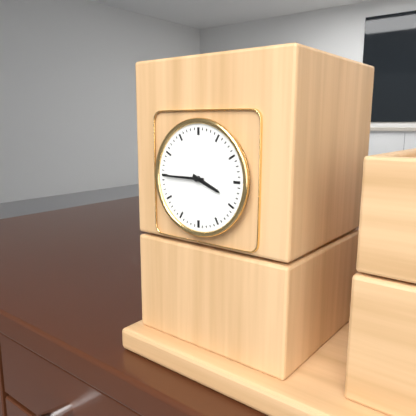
3.45
